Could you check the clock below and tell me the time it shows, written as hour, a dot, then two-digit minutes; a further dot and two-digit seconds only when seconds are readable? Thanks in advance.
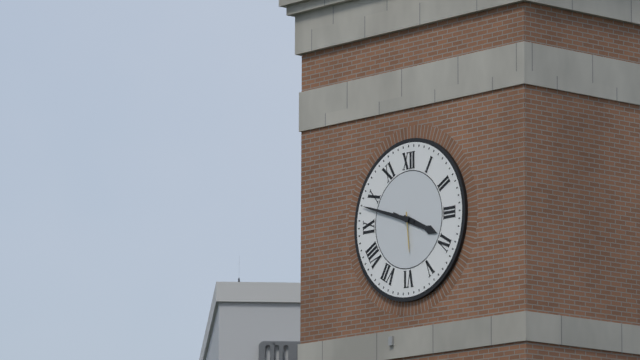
3.48
